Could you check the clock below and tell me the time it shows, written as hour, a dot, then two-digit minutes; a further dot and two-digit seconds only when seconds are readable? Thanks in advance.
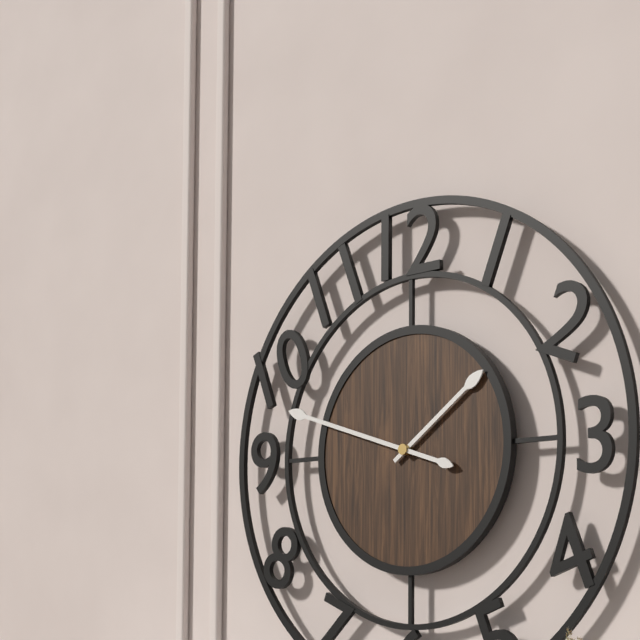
1.48
